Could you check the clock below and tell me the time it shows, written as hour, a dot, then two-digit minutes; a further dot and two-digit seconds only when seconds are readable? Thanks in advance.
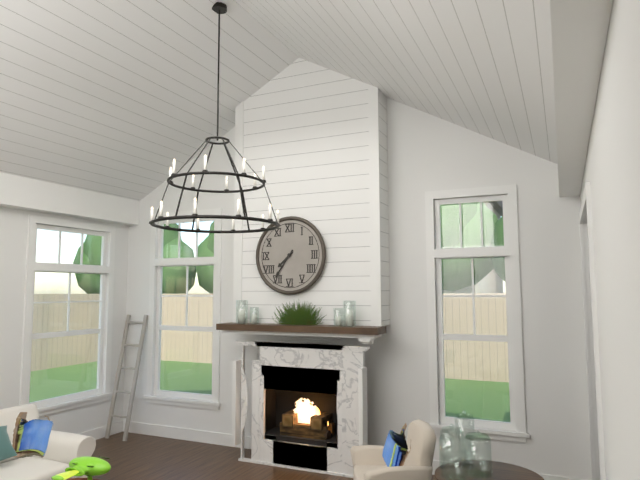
7.36
